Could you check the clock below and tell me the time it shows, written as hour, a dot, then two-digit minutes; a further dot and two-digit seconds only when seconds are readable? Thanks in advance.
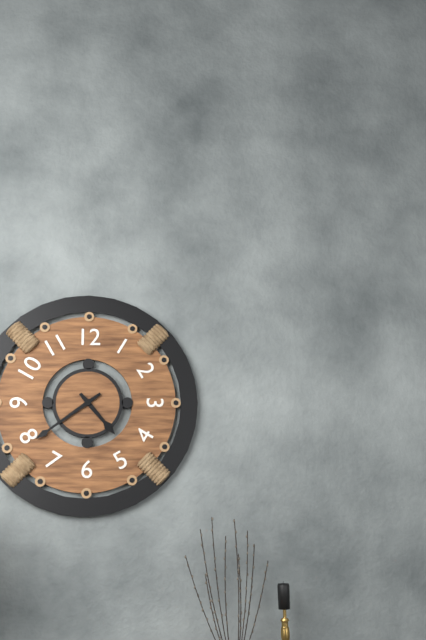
4.39
